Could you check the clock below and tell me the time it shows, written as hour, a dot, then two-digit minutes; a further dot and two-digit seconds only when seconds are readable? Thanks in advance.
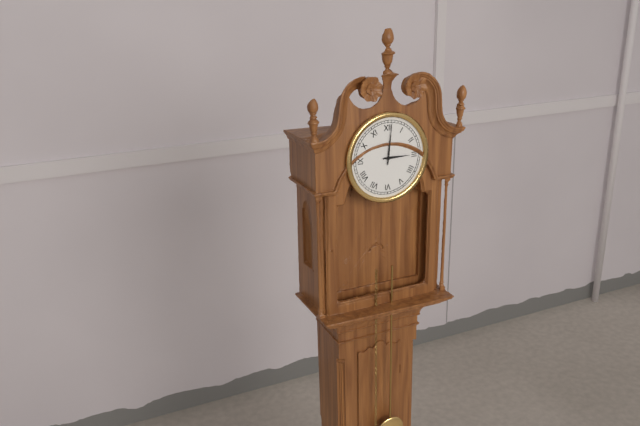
3.01
